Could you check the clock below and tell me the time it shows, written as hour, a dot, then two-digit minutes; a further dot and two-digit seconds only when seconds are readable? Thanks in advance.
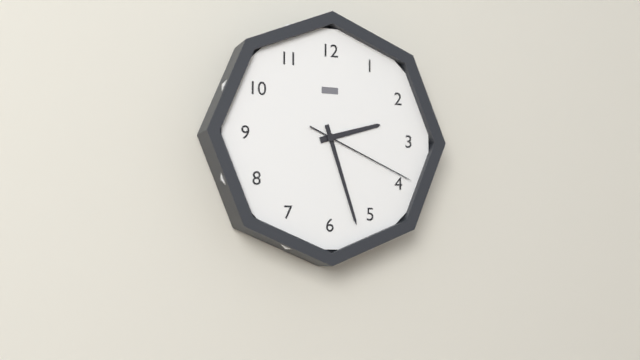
2.27.19
